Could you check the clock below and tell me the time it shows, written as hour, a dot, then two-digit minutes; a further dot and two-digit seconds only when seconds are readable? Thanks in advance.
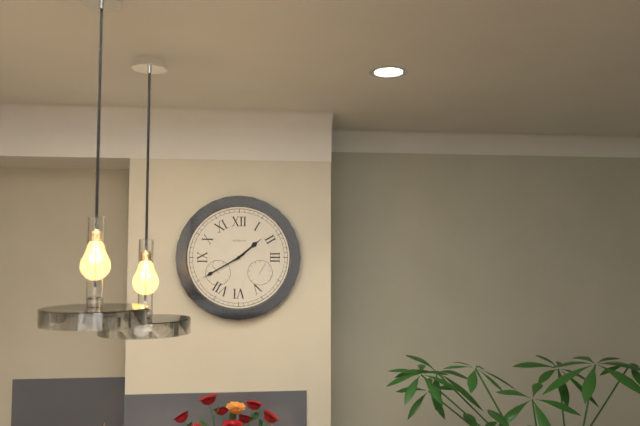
1.40
